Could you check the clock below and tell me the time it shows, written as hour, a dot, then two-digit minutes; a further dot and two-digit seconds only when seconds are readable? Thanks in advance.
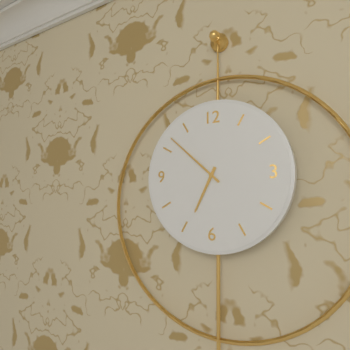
6.52
